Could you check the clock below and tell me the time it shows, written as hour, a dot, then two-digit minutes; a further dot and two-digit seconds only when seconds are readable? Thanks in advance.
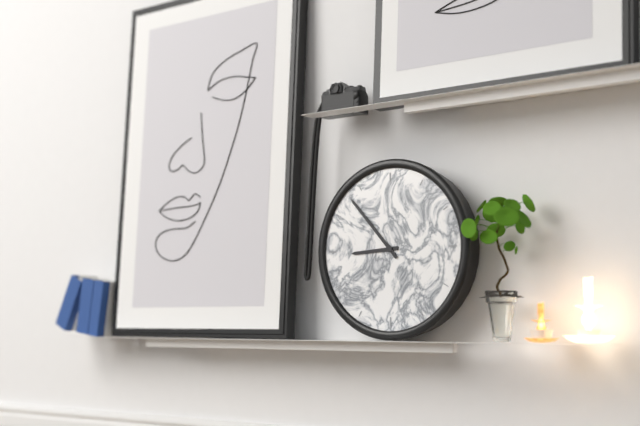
8.53
